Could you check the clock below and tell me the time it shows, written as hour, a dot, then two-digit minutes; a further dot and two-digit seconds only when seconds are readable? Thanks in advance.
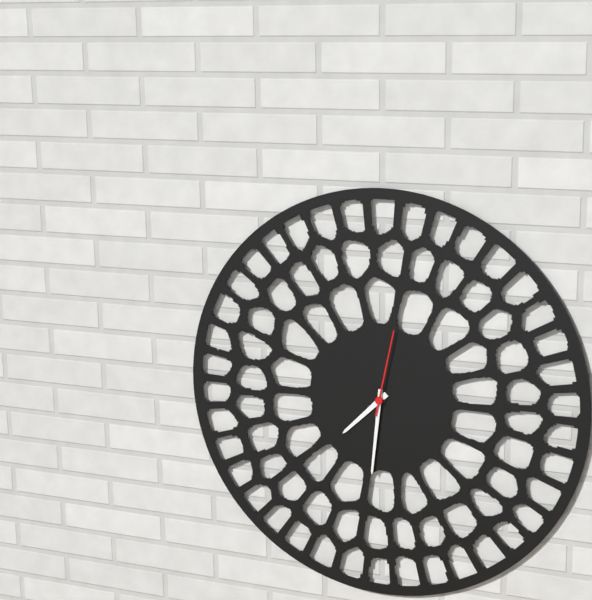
7.31.02
